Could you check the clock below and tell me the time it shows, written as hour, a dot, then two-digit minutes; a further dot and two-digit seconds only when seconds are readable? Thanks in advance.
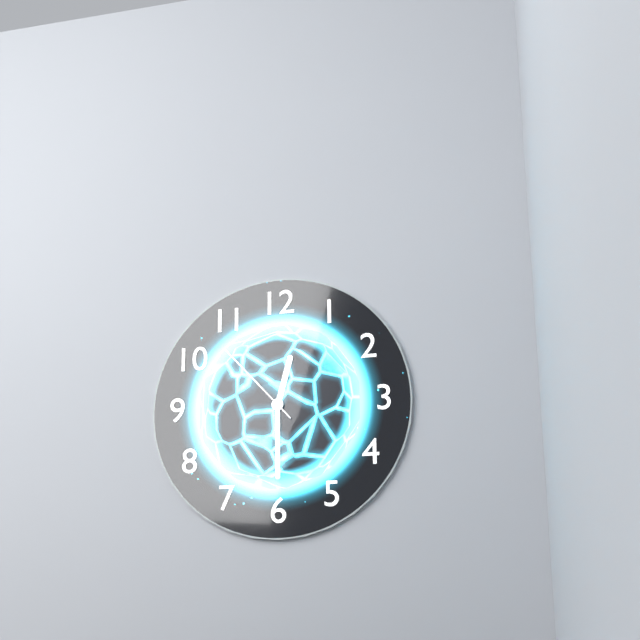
12.30.53
